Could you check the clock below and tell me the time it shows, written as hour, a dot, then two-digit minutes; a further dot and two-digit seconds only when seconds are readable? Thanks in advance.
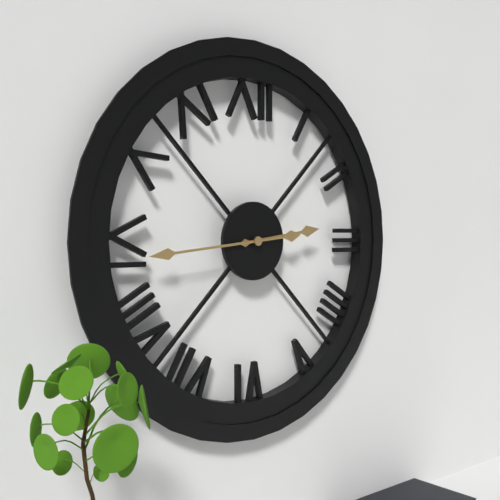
2.44
